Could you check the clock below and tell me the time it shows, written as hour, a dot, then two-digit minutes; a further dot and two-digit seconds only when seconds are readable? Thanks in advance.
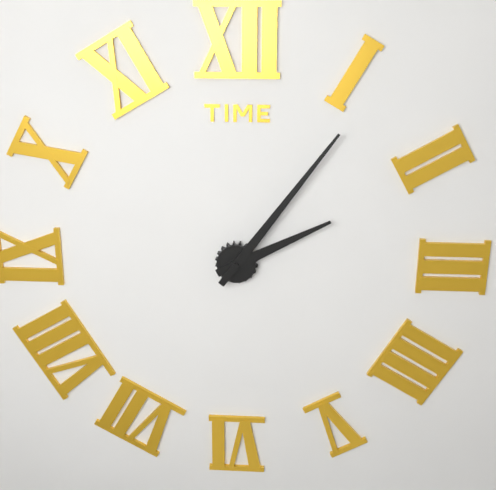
2.06
